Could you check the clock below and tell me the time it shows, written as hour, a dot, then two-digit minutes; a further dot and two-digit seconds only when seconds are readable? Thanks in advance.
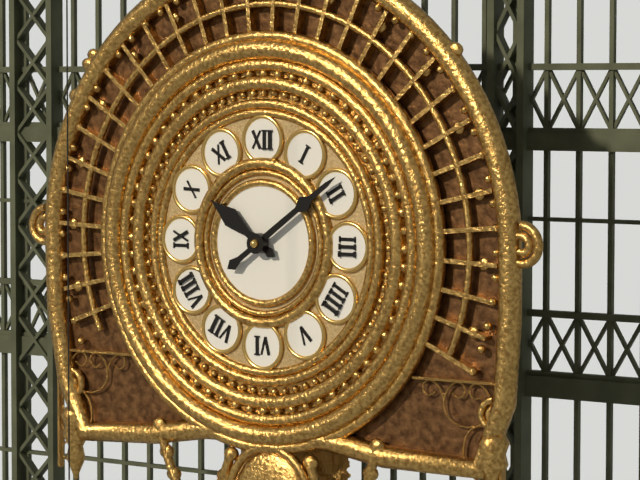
10.09
